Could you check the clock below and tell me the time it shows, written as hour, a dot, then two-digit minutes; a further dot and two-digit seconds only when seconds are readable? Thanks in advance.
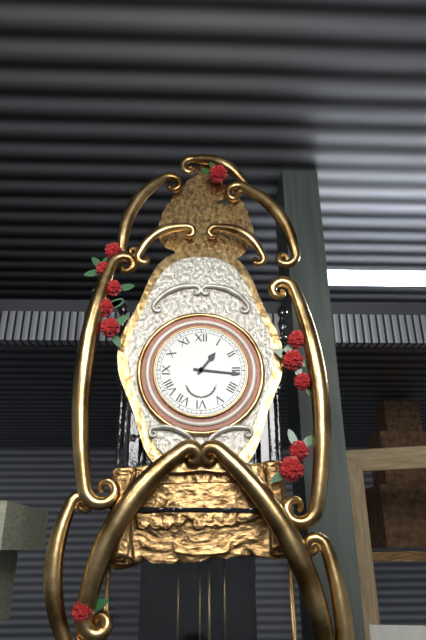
1.16
